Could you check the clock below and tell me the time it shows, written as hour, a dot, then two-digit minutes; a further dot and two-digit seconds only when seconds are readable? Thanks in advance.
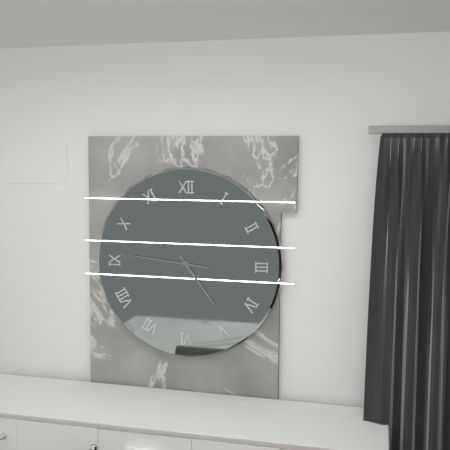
4.46
